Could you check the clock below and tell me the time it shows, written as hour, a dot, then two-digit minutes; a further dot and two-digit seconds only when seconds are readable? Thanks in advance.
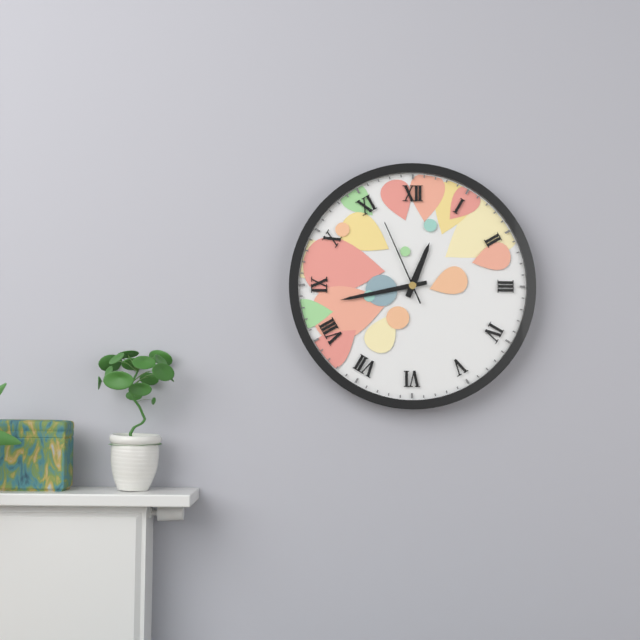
12.43.56
